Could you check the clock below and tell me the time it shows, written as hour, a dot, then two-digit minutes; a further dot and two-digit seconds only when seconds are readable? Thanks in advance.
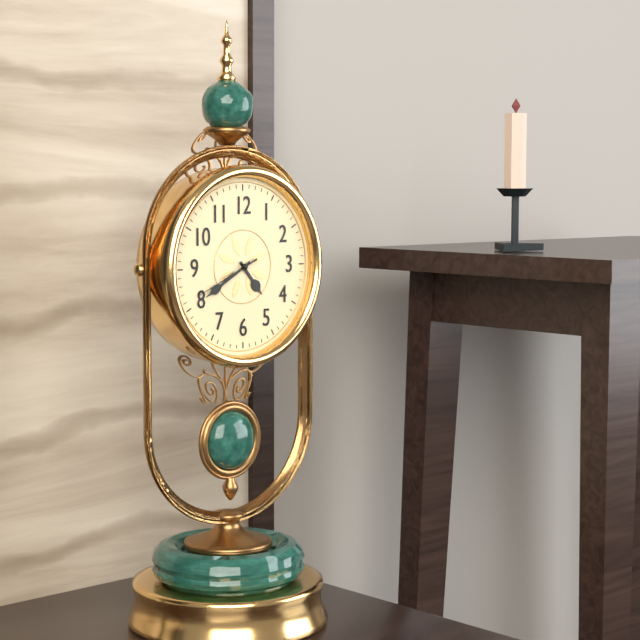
4.40.41
